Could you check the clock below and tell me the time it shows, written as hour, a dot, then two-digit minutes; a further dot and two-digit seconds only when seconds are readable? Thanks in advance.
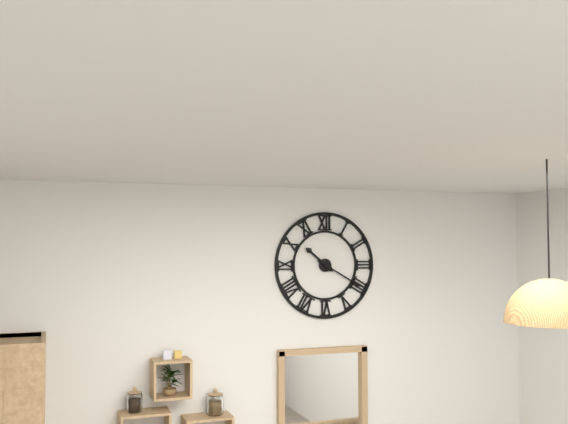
10.20
